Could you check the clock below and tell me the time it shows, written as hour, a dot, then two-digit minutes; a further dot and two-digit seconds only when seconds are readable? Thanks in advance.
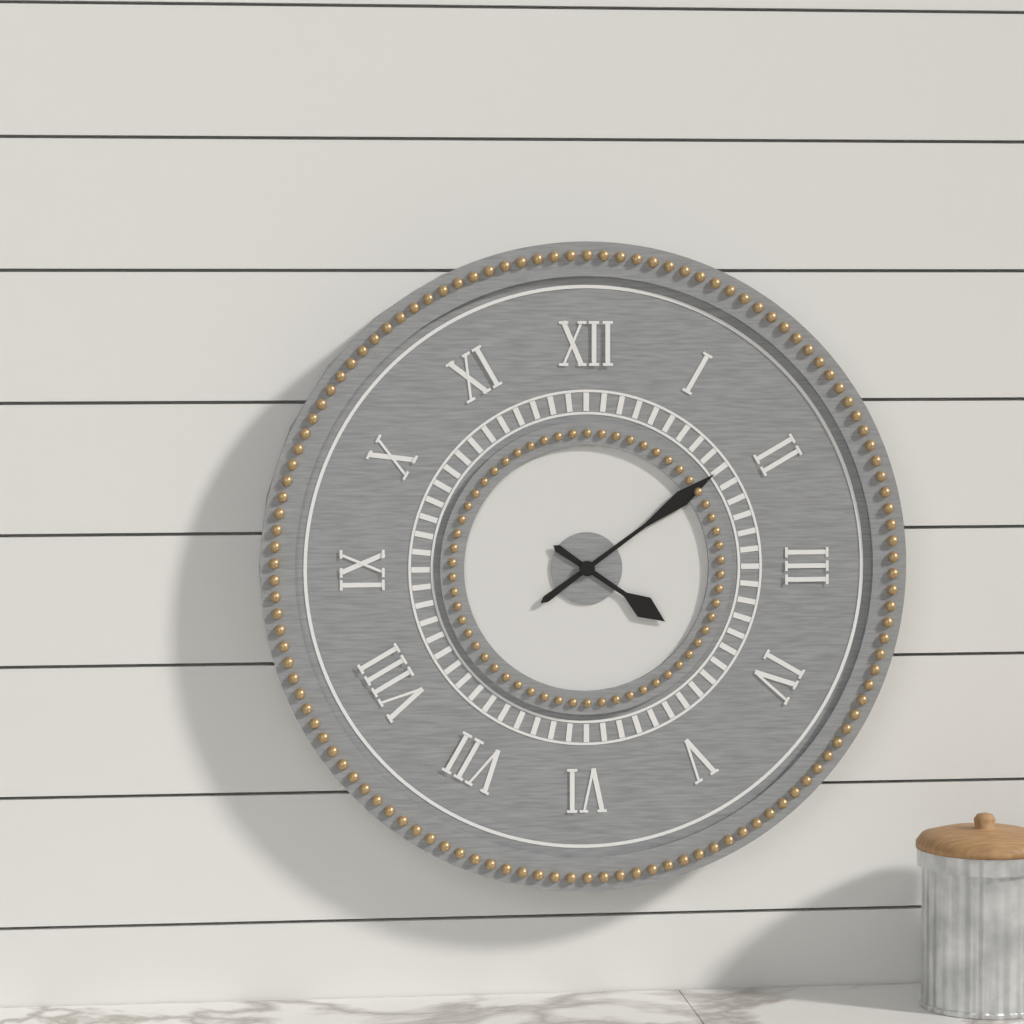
4.09
